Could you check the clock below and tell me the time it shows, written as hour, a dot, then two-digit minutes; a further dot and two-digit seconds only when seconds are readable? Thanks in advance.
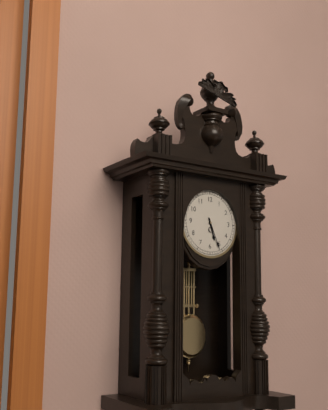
5.26
